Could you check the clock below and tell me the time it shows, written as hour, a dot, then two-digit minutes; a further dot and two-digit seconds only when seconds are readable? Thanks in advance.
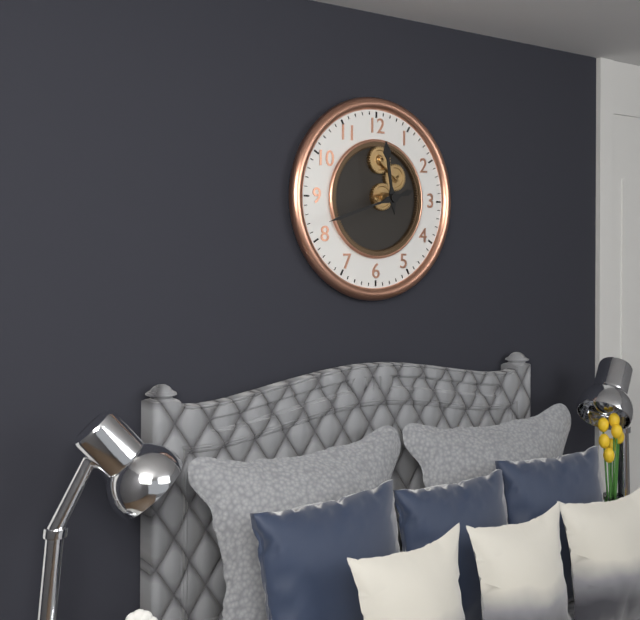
11.42
